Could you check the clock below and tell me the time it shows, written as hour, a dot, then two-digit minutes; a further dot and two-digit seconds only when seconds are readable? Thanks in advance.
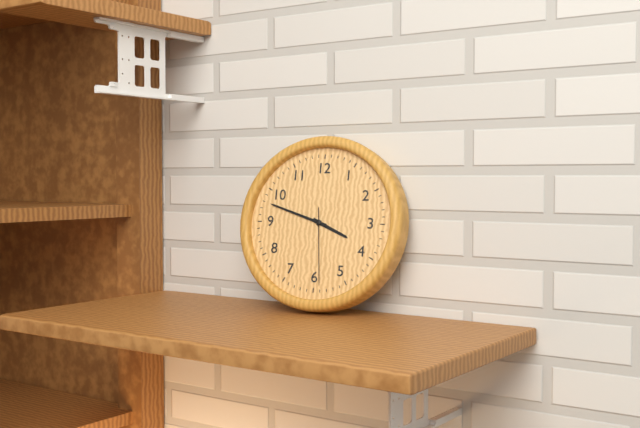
3.48.29
